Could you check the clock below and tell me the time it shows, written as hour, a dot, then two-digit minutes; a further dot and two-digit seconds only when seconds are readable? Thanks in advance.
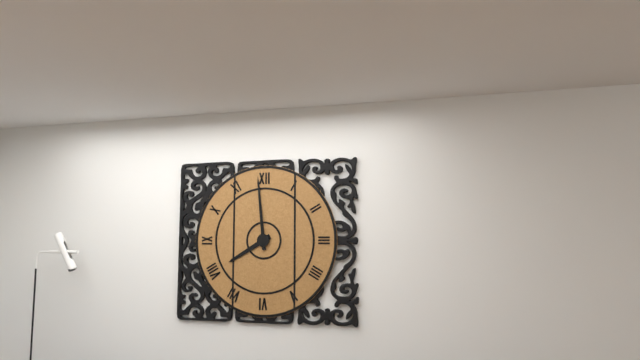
7.59
